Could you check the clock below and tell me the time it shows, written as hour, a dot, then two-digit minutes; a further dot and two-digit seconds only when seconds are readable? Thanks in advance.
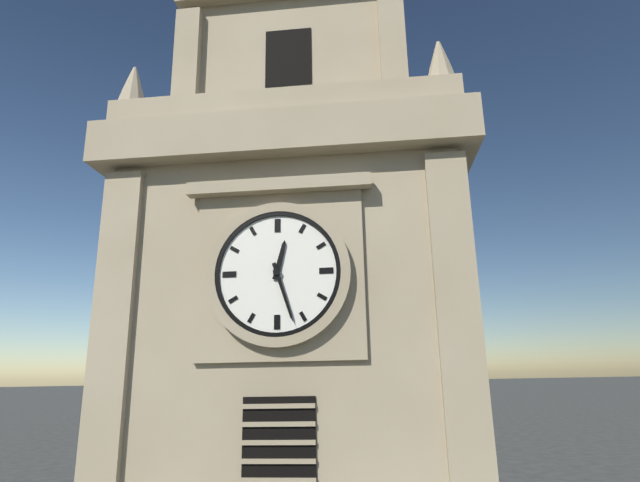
12.27
